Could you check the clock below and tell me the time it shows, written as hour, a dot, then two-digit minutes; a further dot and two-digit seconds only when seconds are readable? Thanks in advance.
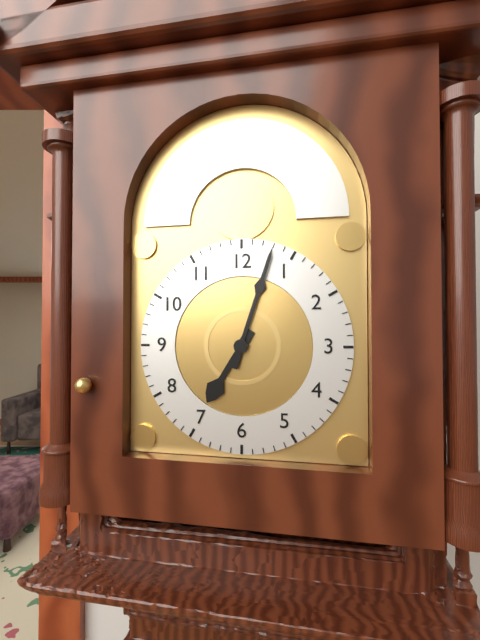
7.03
